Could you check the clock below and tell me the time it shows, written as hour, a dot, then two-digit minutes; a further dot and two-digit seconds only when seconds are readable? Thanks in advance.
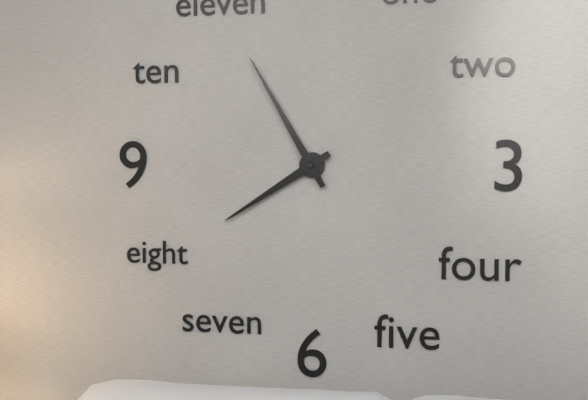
7.55
